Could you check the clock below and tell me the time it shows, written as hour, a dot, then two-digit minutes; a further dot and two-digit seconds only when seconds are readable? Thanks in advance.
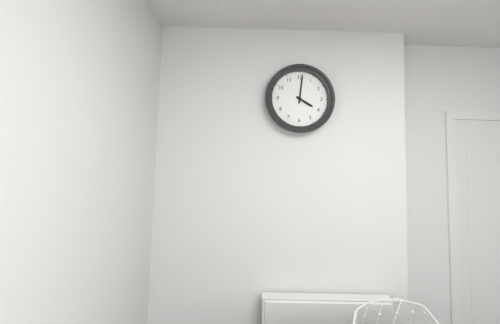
4.01
